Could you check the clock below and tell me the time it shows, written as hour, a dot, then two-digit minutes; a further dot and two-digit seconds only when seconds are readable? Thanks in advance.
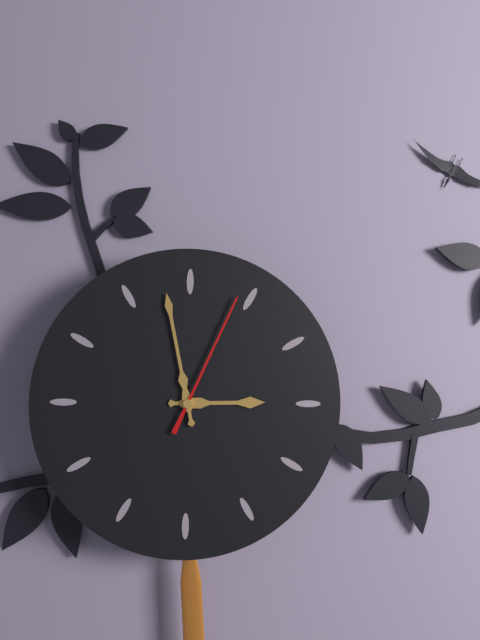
2.58.04
